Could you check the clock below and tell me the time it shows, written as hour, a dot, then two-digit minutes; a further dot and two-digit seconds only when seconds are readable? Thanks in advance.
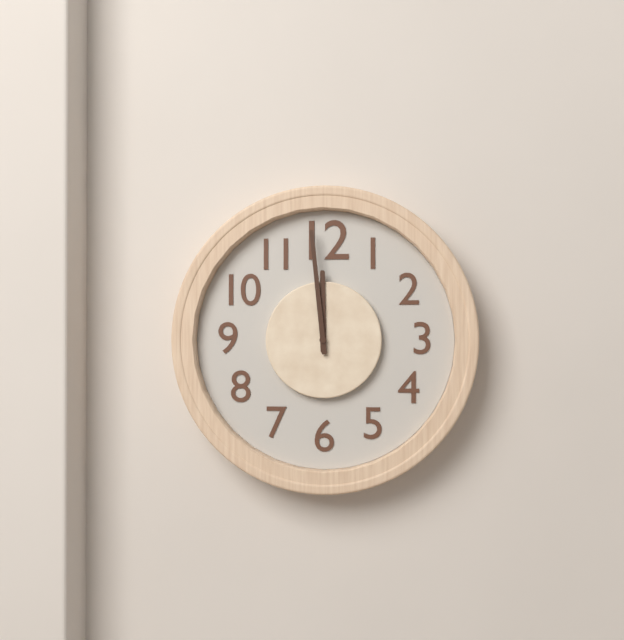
11.59
